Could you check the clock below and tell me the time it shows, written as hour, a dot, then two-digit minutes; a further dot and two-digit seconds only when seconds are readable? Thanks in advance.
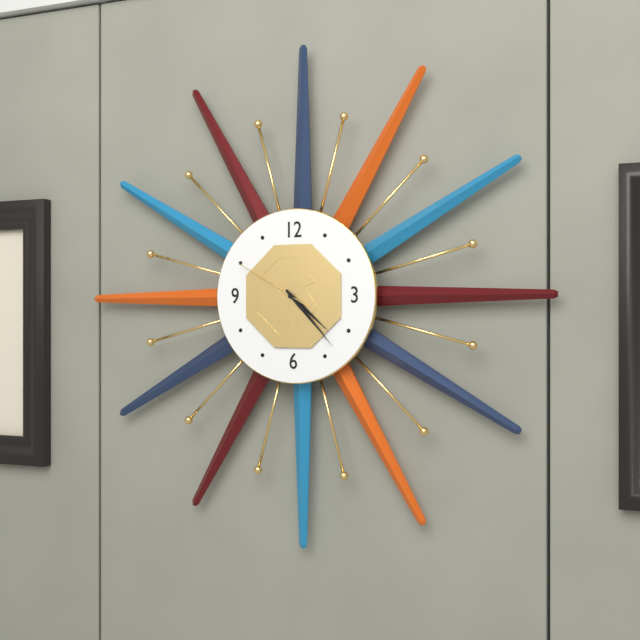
4.23.50
